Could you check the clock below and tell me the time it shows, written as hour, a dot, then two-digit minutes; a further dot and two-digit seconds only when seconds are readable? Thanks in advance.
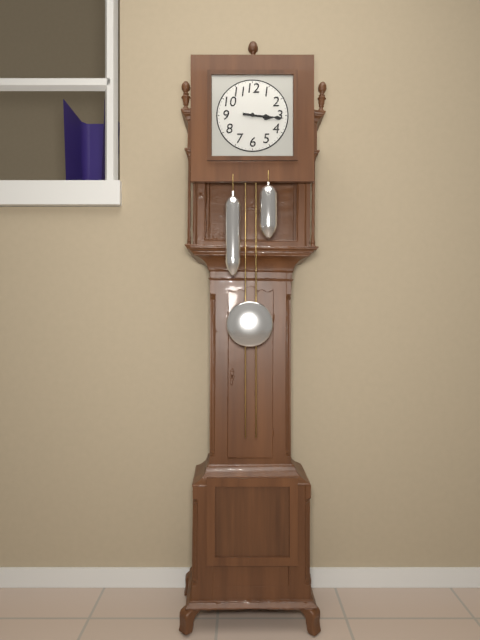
3.16
